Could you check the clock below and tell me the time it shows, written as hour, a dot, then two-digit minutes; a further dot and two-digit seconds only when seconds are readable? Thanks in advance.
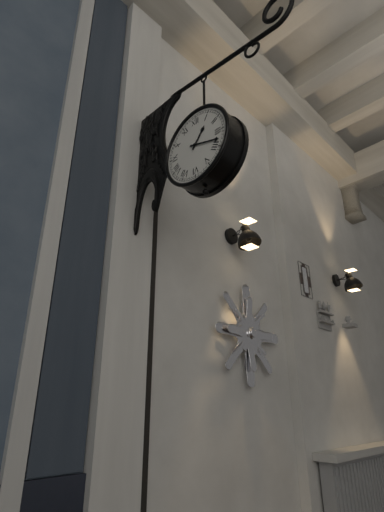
1.18
